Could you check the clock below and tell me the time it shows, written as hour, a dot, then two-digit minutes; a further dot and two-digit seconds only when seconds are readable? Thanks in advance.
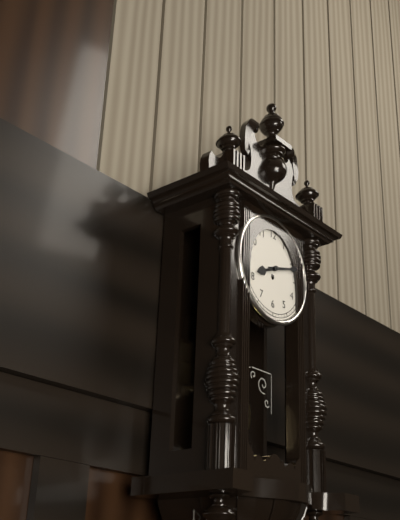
8.12
